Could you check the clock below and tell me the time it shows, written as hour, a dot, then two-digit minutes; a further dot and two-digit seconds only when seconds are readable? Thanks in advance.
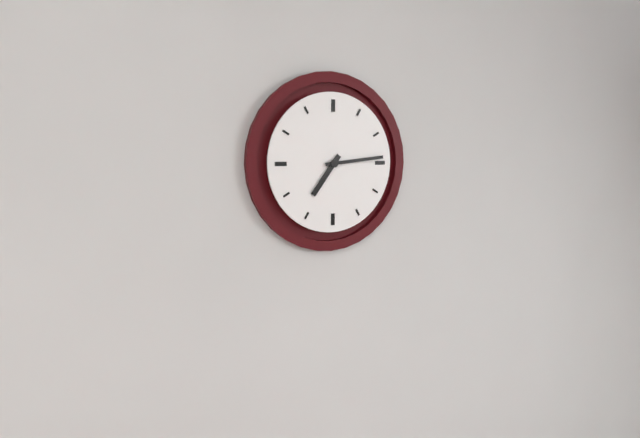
7.14
